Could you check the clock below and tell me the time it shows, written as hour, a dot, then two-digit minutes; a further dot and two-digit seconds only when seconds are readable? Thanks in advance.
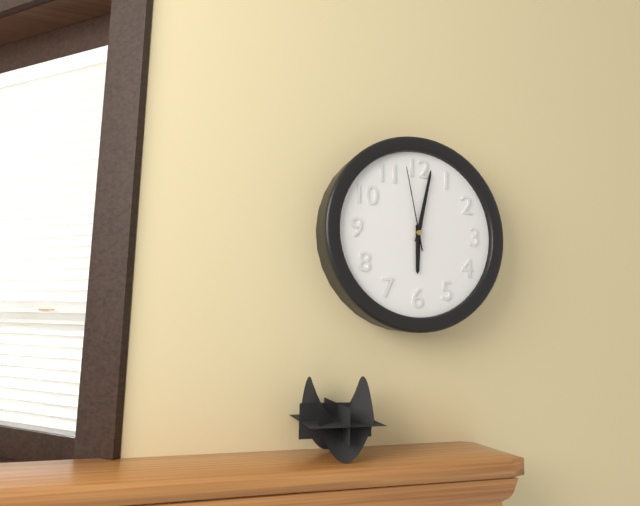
6.02.58
